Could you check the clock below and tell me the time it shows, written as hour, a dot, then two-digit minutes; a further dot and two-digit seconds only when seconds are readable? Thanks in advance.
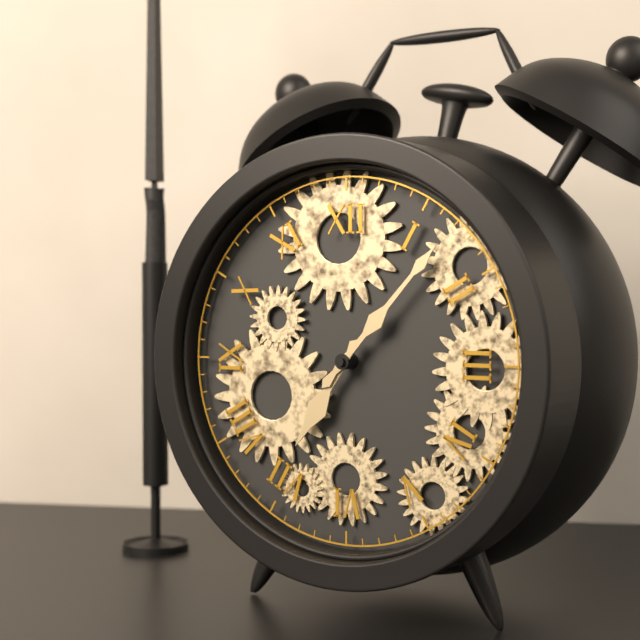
7.07
